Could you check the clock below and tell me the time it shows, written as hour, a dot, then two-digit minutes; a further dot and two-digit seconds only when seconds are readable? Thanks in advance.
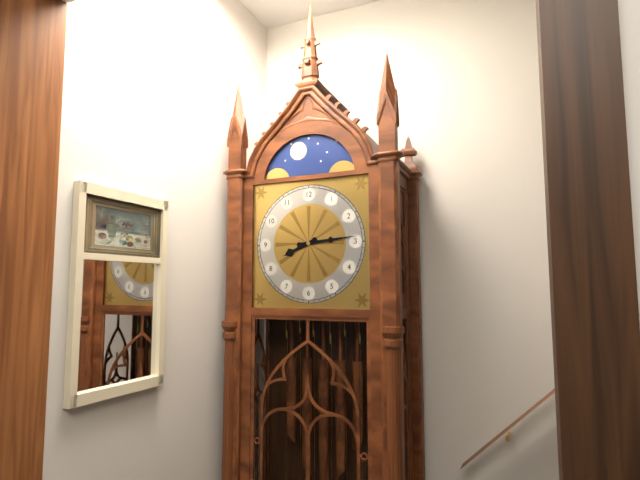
8.14
